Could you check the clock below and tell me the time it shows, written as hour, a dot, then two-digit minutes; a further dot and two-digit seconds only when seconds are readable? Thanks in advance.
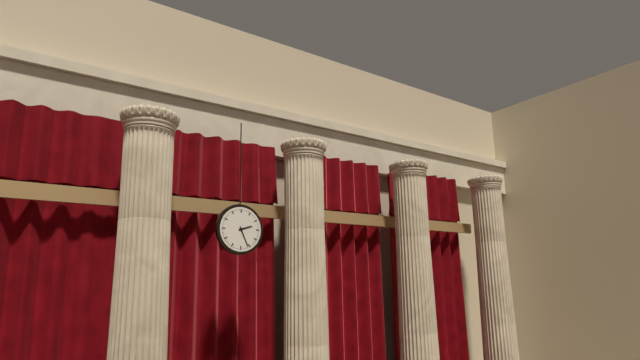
2.26
